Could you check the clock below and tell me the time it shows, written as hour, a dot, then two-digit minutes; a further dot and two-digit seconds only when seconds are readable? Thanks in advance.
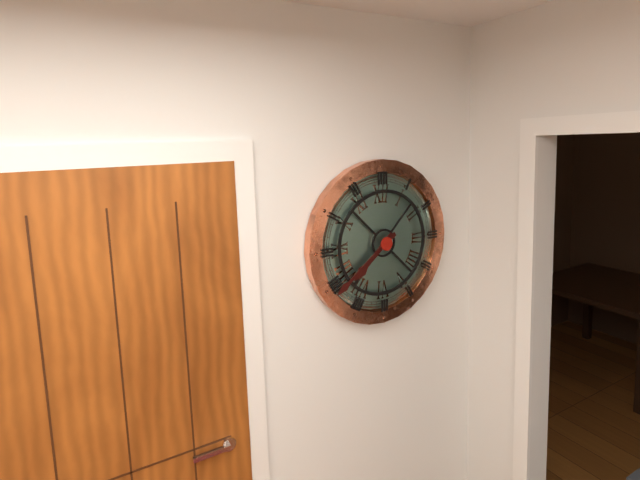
7.39
